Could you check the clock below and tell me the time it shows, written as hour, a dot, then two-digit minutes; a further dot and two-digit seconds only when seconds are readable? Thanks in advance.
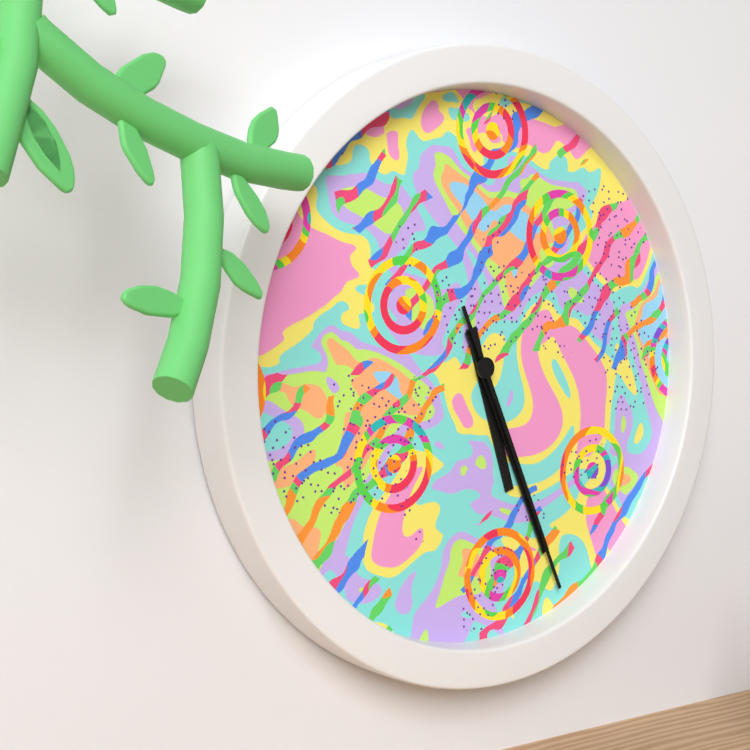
5.26.26
